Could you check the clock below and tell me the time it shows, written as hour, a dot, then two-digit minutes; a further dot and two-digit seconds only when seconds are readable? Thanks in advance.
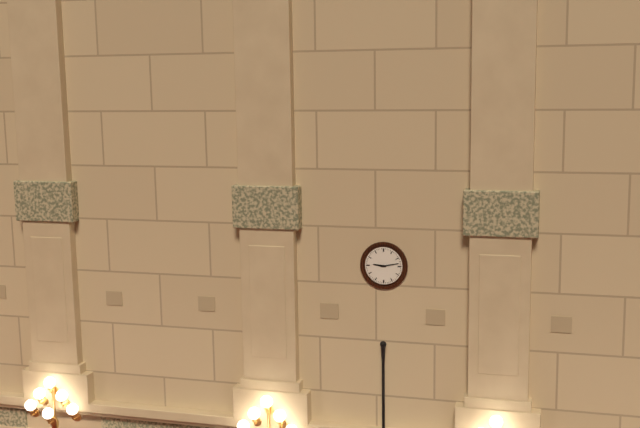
9.13
